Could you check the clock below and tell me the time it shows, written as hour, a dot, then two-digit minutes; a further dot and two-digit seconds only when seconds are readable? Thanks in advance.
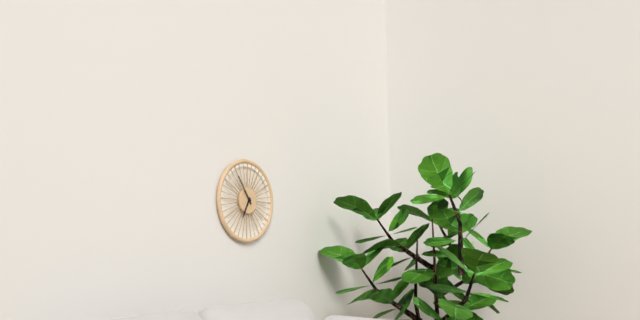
6.54
